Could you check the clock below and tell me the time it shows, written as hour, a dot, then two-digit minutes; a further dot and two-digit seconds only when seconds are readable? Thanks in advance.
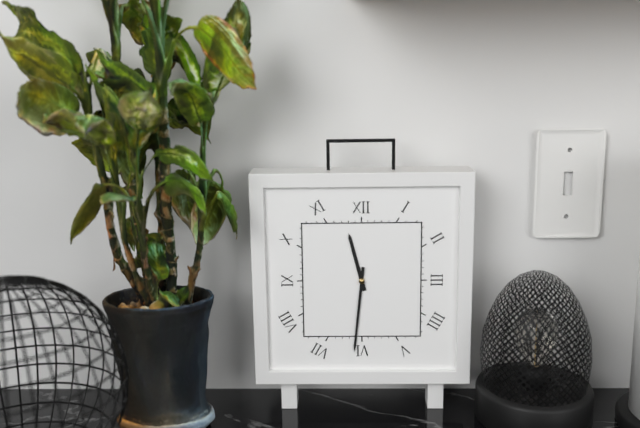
11.31
